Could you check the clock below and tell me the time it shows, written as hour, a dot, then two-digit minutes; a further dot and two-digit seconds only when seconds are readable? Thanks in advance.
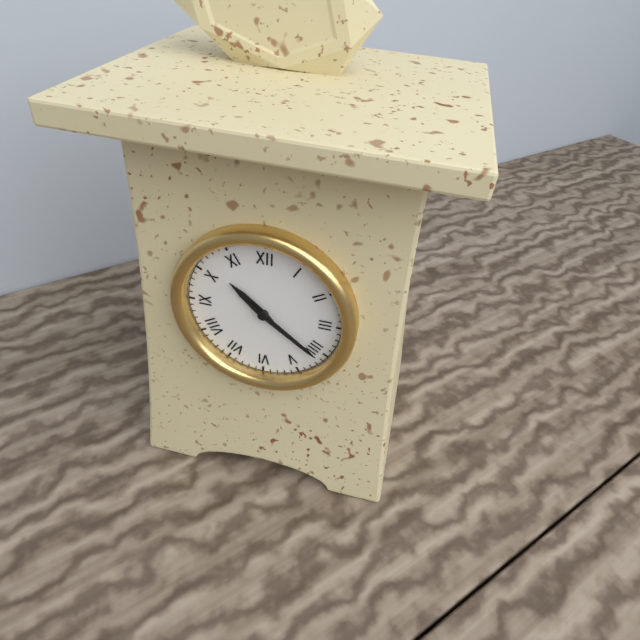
10.21
